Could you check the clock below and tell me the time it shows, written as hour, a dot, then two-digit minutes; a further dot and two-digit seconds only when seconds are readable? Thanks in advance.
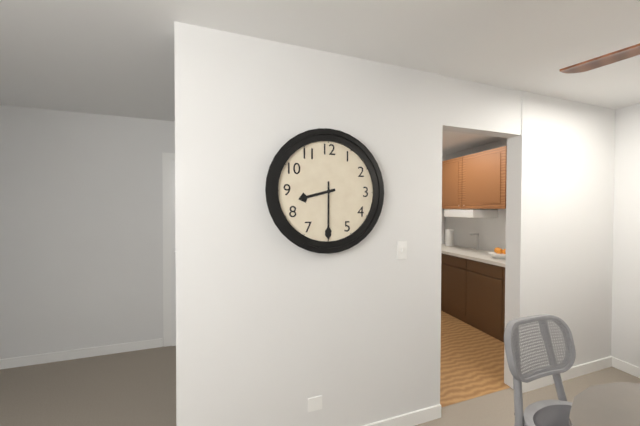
8.30
